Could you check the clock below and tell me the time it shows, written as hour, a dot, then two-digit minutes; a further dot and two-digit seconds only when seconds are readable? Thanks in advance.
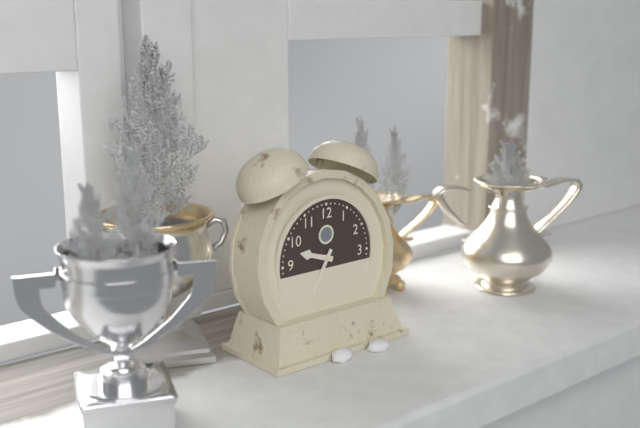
9.35
